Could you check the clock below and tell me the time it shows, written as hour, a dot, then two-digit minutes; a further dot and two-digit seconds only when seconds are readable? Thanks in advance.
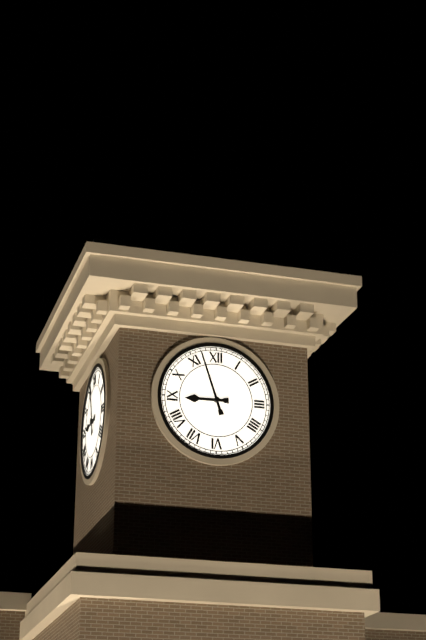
8.57
